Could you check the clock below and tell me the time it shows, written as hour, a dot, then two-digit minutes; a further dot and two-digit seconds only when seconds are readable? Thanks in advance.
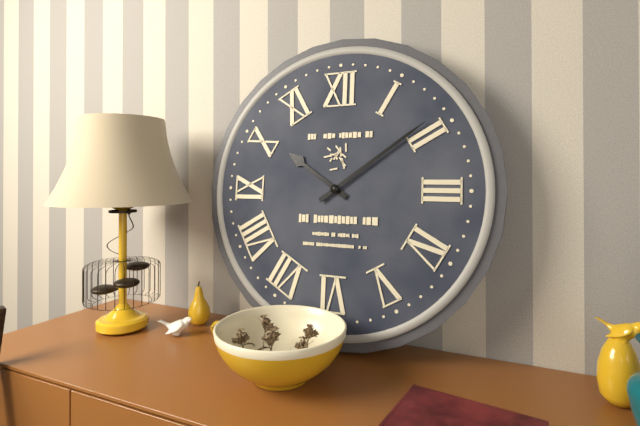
10.09
